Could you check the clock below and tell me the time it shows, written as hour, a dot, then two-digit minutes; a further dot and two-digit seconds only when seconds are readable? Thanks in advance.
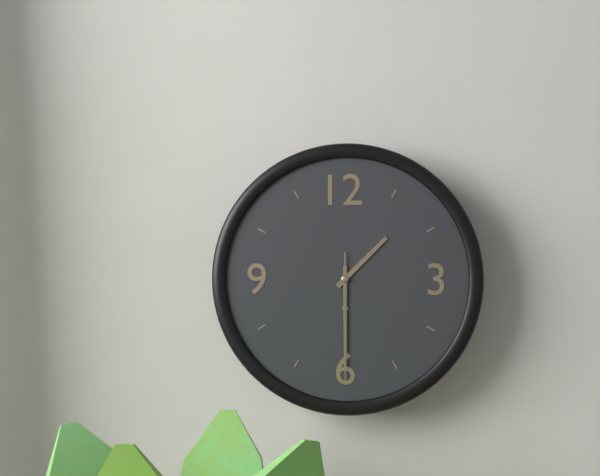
1.30.30
